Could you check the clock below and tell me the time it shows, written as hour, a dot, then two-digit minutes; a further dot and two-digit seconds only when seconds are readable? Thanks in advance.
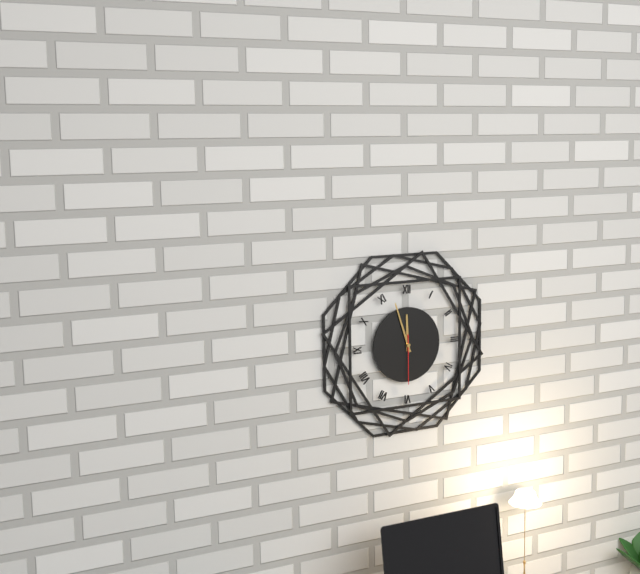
11.57
